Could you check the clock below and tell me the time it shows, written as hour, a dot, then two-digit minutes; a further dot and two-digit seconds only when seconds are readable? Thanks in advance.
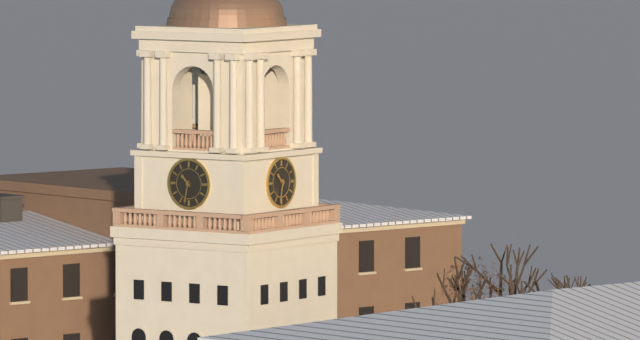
10.32
